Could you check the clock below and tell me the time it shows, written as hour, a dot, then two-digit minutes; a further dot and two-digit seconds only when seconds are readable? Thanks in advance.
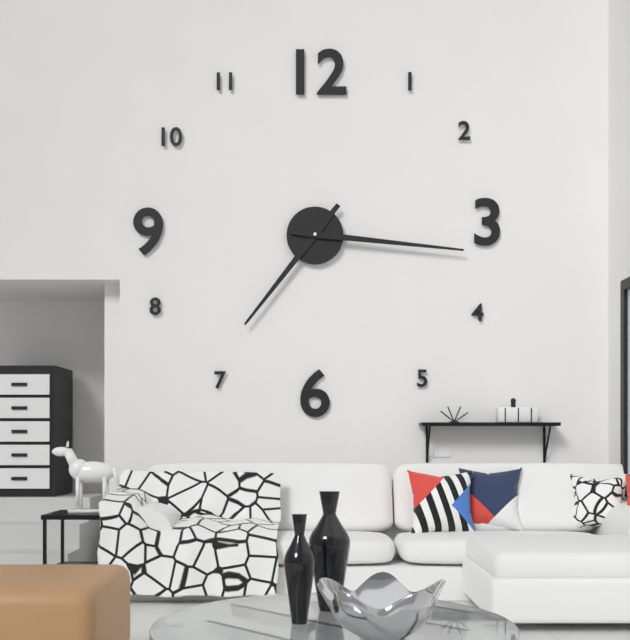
7.16
